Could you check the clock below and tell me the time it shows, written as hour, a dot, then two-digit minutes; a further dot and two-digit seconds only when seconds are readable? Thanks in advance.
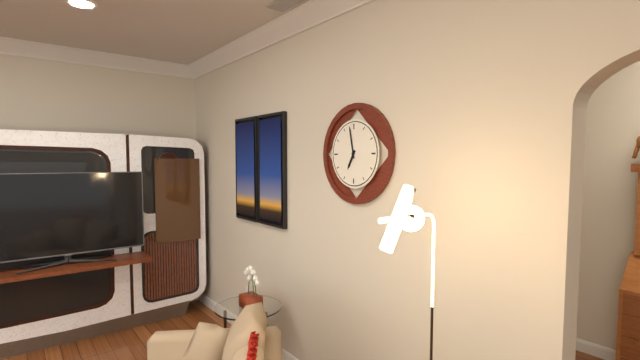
6.58
